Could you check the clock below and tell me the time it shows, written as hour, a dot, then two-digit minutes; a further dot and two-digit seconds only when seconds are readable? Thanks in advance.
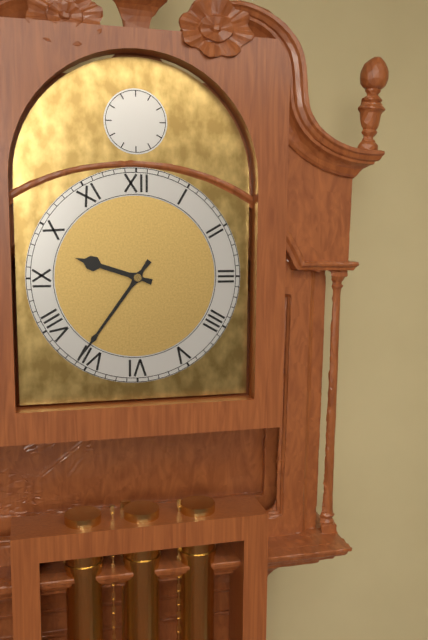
9.36
